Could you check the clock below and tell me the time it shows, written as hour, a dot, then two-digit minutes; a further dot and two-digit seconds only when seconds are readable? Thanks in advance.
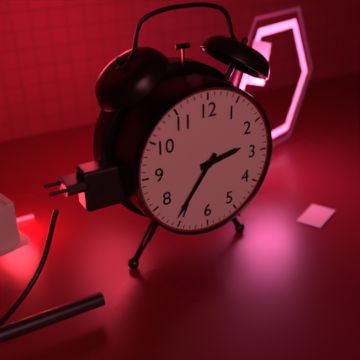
2.36
